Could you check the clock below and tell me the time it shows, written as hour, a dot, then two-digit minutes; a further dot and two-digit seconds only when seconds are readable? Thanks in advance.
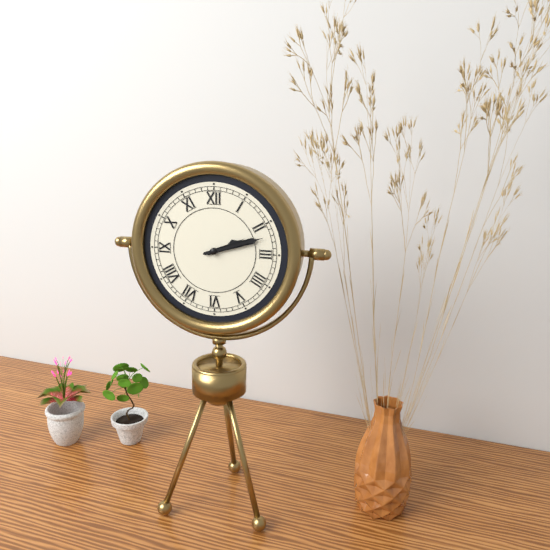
2.12
